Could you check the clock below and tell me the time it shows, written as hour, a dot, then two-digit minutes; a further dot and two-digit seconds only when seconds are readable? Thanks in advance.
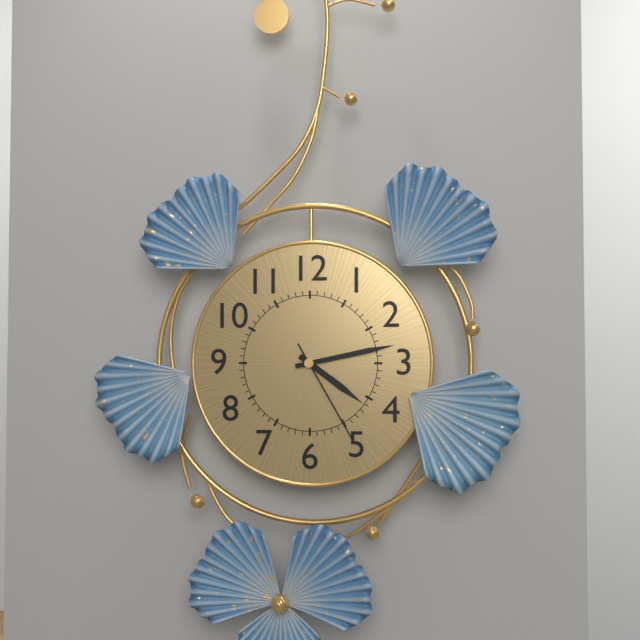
4.13.25
